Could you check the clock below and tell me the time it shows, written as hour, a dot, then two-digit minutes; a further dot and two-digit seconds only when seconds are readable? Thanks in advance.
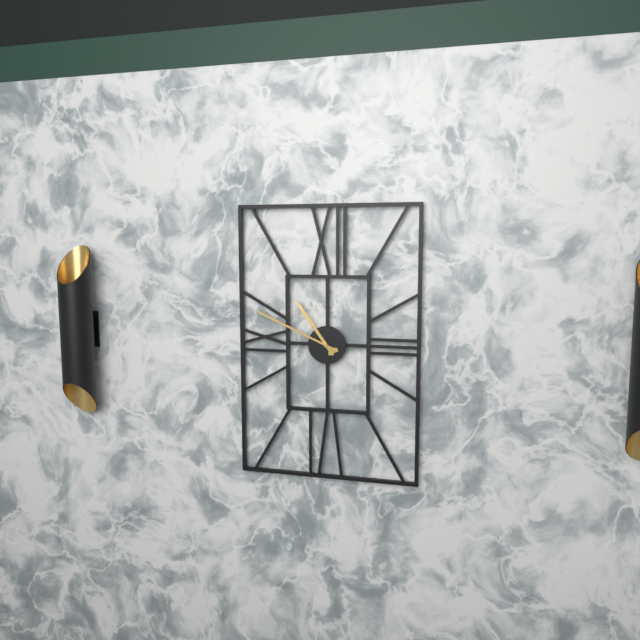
10.49
